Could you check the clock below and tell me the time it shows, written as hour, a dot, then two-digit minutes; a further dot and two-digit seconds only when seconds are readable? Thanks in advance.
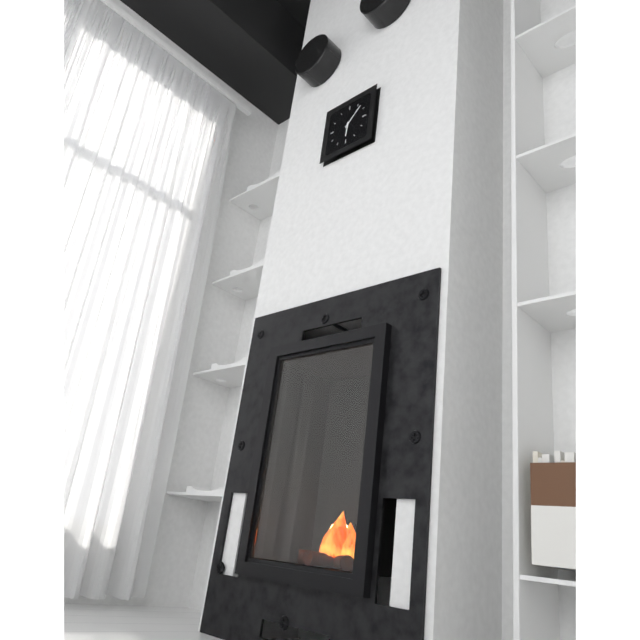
6.07
